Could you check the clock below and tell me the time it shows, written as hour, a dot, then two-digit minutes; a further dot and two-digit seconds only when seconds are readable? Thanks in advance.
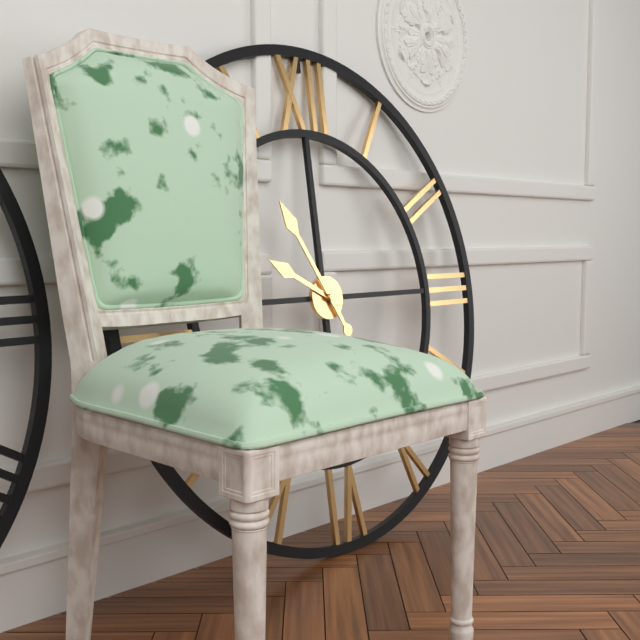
9.55
